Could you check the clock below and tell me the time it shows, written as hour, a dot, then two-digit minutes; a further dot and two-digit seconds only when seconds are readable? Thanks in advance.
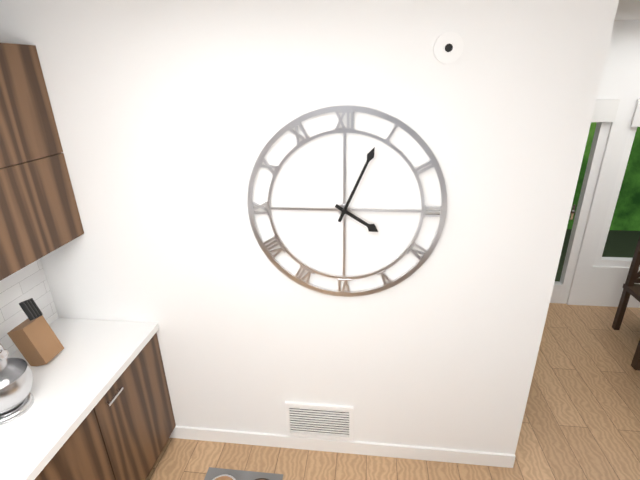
4.04
